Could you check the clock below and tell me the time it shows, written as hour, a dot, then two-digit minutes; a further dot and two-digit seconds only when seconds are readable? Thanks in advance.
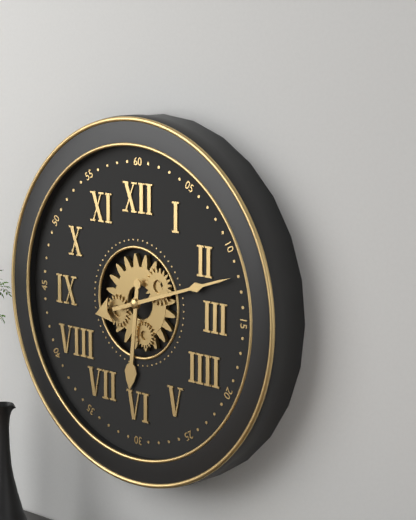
6.12
